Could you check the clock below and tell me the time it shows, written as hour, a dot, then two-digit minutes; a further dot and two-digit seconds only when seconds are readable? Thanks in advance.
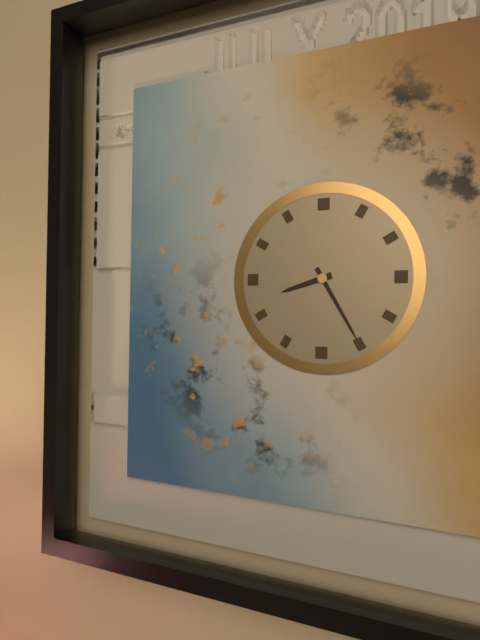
8.25
